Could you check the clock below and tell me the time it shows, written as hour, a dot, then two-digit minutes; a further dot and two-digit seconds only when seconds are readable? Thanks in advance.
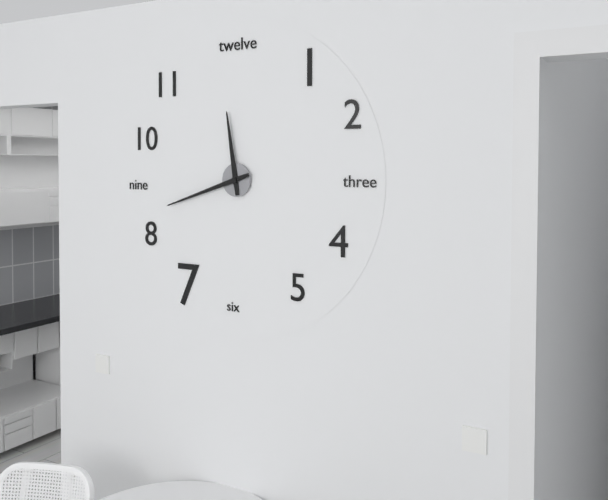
11.42
